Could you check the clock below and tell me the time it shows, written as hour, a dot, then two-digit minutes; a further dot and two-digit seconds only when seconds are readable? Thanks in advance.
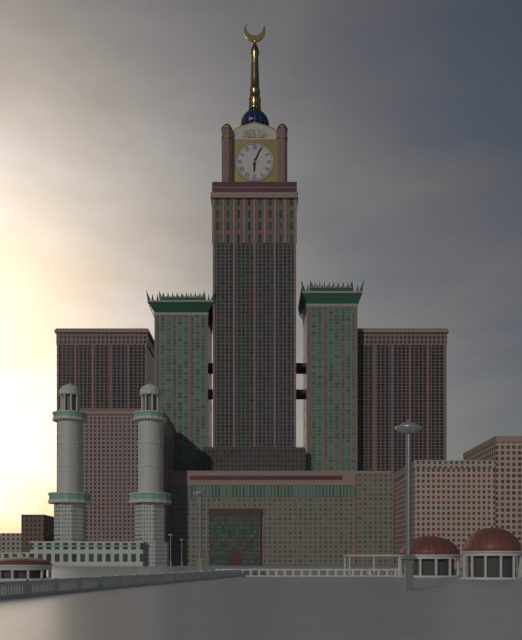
6.04
